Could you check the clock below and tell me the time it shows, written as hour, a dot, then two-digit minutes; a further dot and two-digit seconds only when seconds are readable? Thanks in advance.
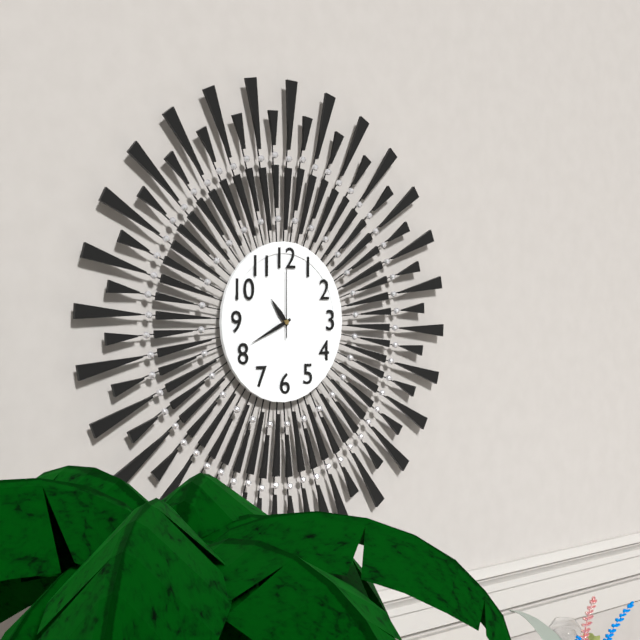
10.41.00
